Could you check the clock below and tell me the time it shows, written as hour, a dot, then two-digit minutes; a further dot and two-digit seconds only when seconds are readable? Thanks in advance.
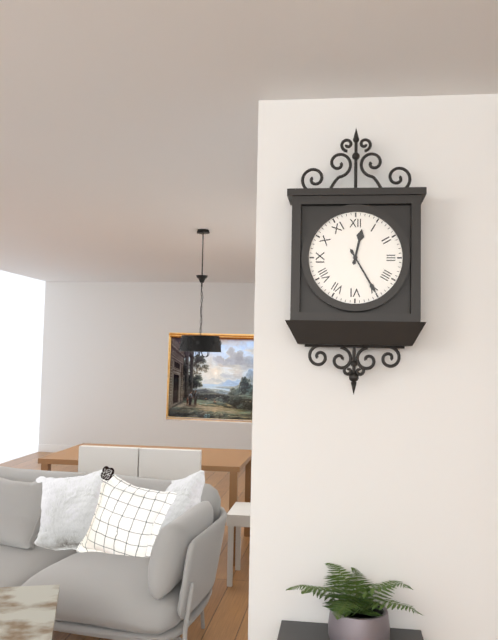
12.25
